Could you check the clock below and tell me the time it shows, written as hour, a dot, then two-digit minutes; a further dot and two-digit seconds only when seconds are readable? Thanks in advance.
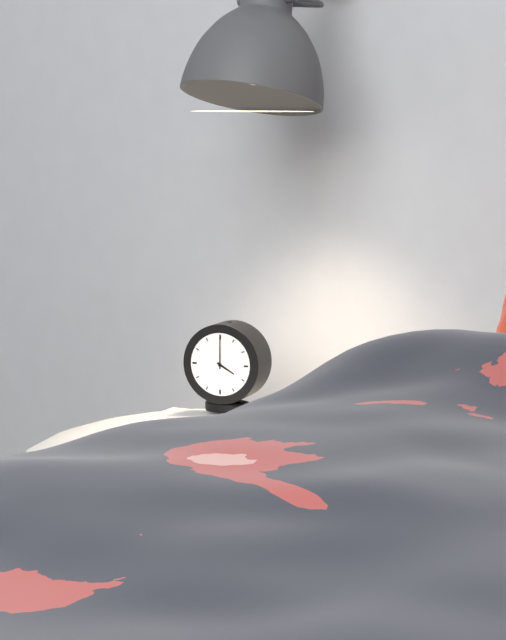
4.00
